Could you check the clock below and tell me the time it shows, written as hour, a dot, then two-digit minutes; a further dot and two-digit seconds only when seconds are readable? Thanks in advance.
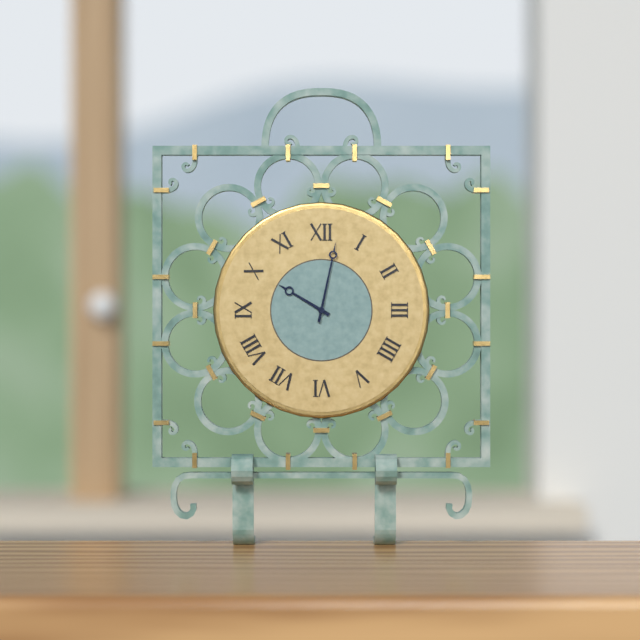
10.02
